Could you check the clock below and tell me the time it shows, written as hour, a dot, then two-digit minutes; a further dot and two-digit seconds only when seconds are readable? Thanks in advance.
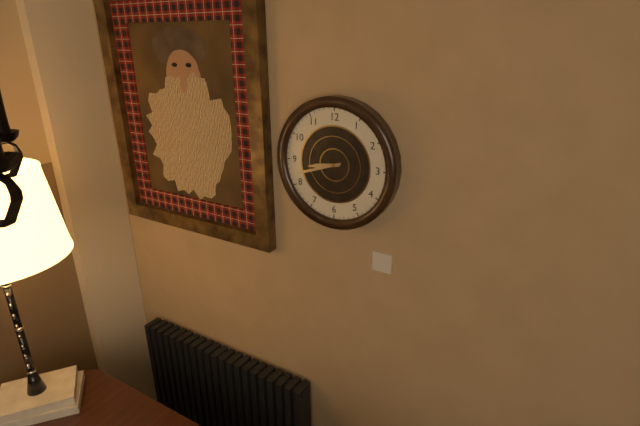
8.42
